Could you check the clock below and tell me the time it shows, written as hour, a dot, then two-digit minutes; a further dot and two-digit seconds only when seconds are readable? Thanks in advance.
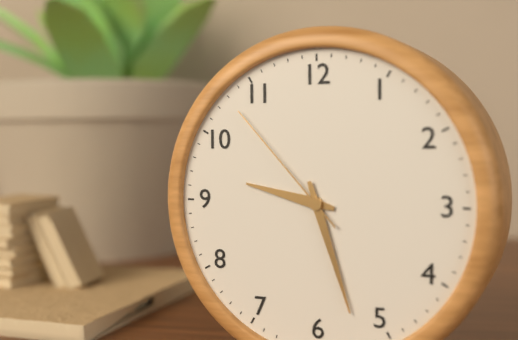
9.27.53
